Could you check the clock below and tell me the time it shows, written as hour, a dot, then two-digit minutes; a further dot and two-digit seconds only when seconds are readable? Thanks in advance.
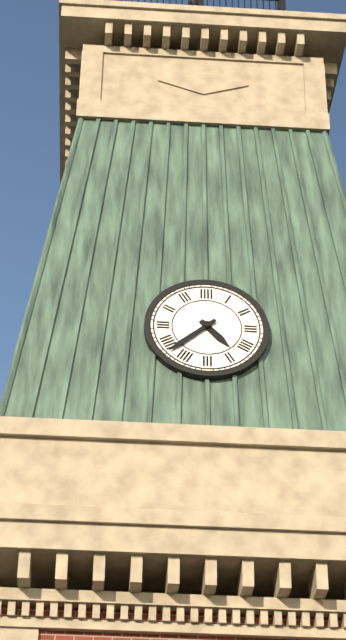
4.38
